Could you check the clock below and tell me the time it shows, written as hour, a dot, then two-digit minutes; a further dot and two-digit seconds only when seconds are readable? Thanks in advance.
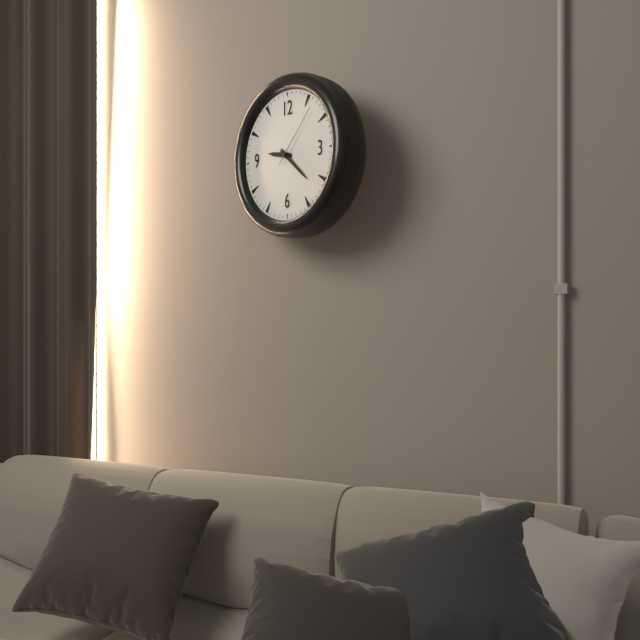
9.22.07
